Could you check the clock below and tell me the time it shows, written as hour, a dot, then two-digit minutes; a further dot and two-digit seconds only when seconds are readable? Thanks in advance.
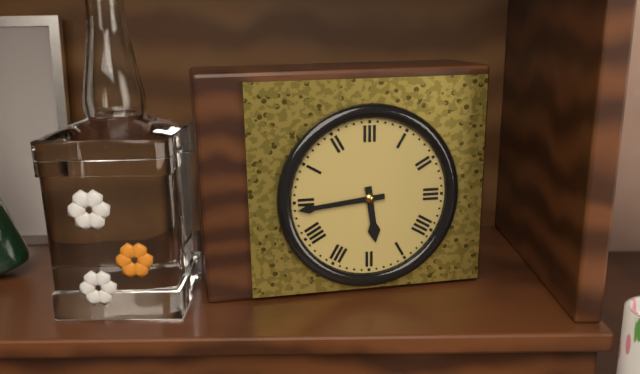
5.44
